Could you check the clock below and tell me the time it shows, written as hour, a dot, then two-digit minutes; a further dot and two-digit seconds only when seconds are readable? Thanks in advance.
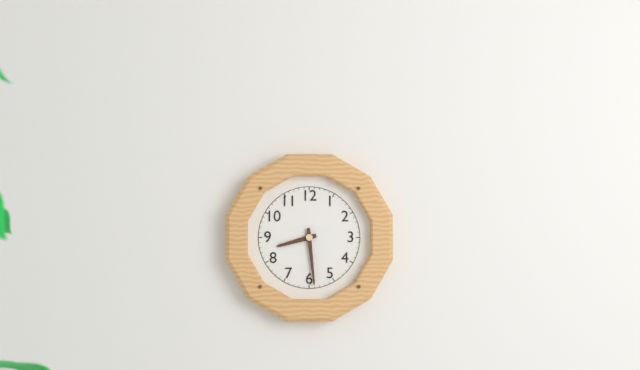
8.29
